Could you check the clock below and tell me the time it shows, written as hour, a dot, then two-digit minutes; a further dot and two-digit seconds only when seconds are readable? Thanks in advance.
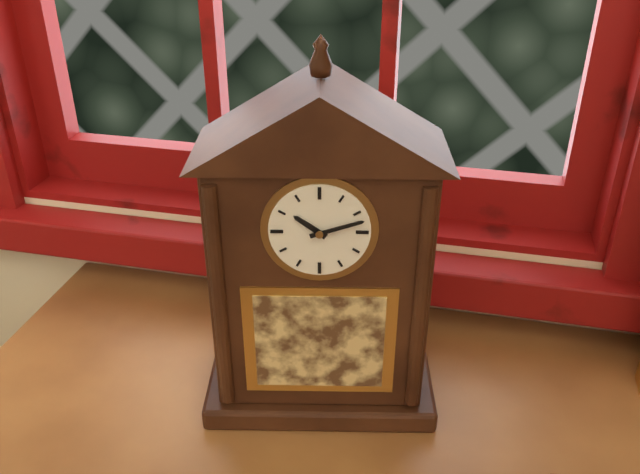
10.12
